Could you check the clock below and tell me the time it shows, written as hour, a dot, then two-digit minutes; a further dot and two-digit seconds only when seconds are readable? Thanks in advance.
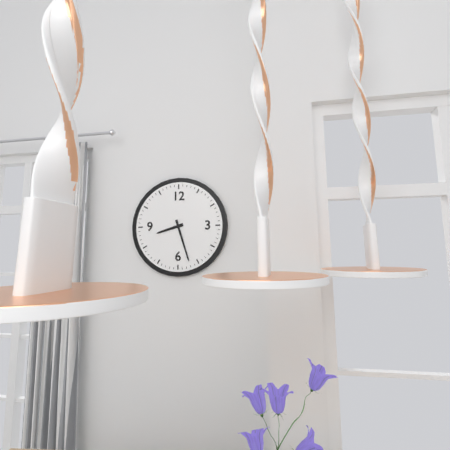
8.27
